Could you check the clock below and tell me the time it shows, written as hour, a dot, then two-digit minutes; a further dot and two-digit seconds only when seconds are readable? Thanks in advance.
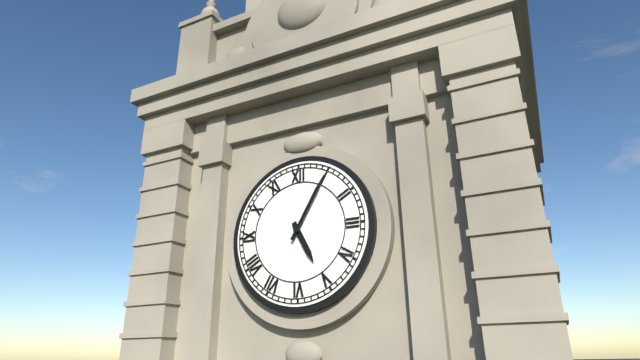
5.05
